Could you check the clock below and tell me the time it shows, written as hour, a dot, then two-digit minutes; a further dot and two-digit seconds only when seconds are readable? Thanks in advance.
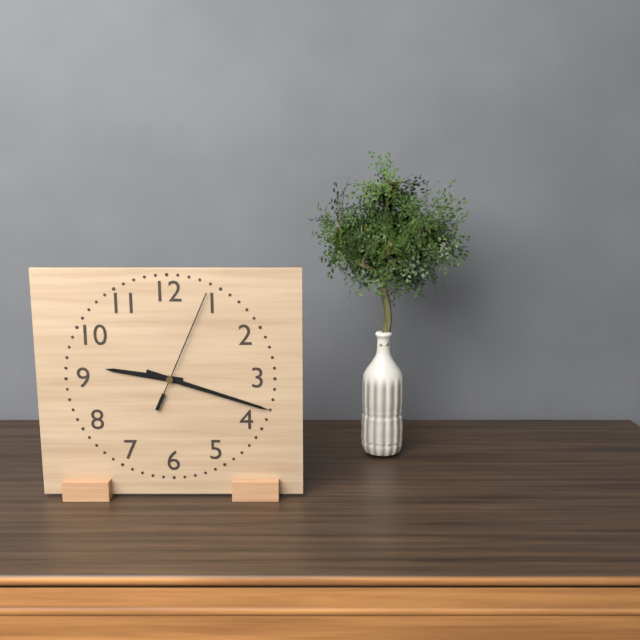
9.18.04
